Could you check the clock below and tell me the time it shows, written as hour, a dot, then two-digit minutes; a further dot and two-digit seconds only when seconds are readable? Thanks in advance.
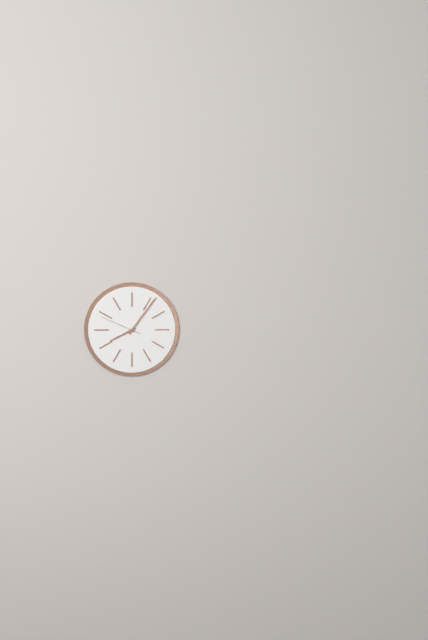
8.06
